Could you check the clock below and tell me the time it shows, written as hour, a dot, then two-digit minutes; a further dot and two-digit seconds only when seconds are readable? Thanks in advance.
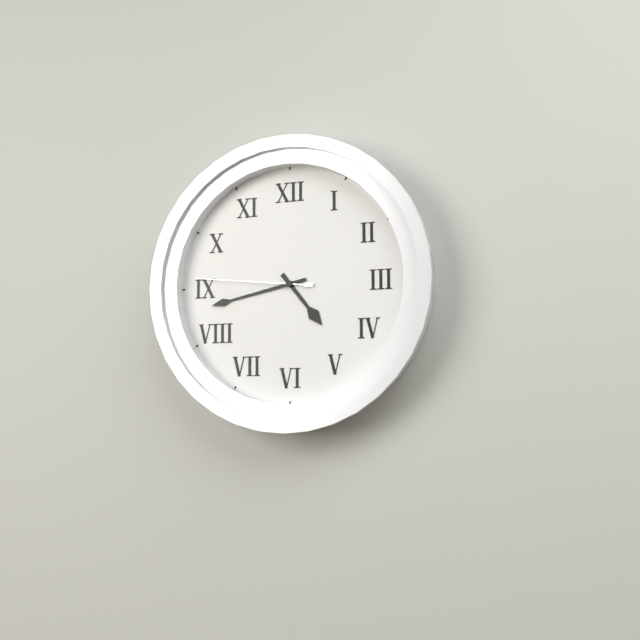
4.43.46
